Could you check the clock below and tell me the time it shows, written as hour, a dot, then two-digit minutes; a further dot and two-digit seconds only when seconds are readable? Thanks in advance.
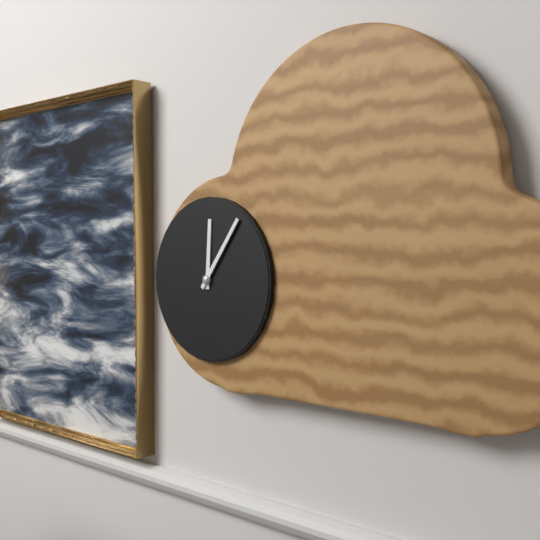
12.06
